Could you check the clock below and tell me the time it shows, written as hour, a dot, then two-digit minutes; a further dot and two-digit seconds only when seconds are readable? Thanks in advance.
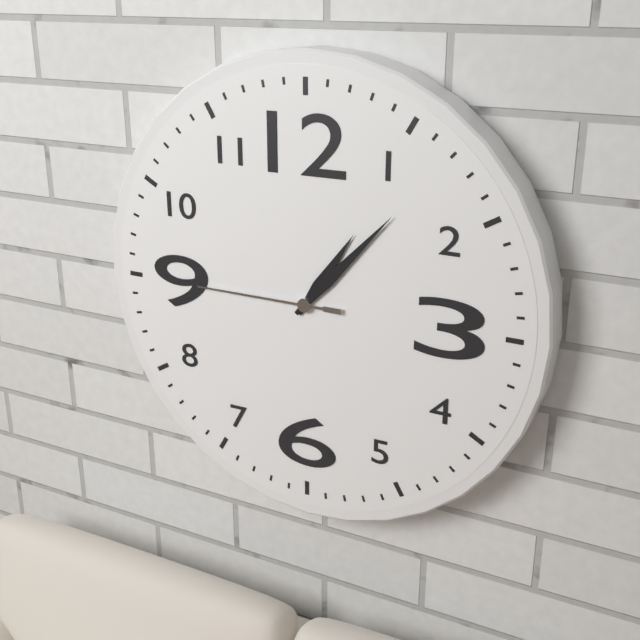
1.07.45
